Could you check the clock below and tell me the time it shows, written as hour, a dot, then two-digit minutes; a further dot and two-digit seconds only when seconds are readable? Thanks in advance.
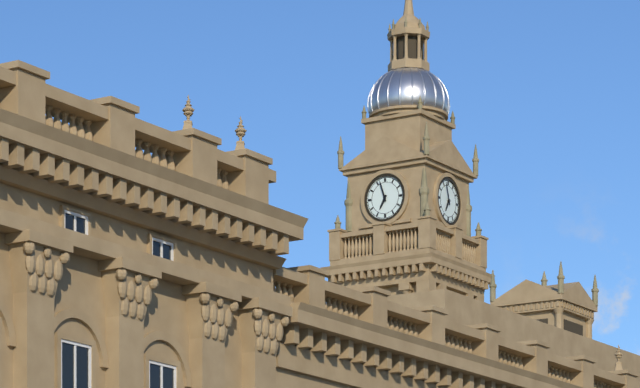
6.57
